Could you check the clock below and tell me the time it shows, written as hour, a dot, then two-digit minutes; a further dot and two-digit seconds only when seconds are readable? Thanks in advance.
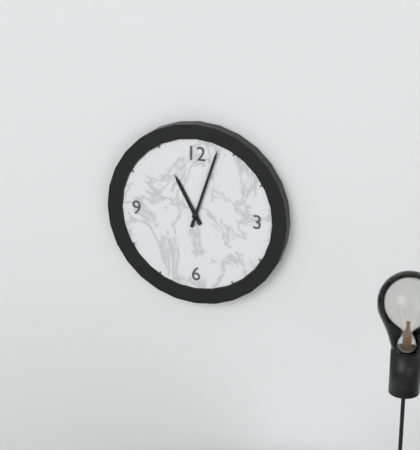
11.03
